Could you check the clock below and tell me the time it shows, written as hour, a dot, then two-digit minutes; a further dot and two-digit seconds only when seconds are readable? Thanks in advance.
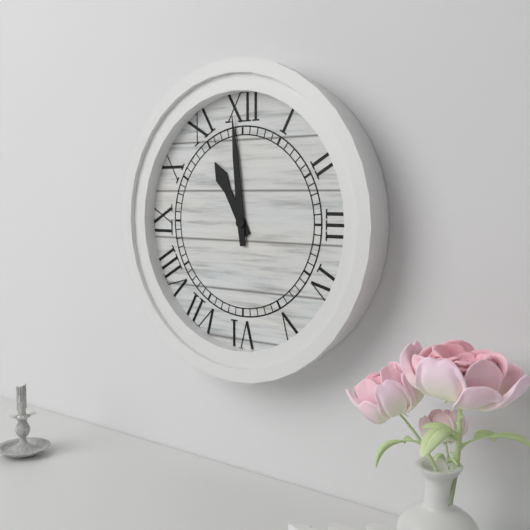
10.59
